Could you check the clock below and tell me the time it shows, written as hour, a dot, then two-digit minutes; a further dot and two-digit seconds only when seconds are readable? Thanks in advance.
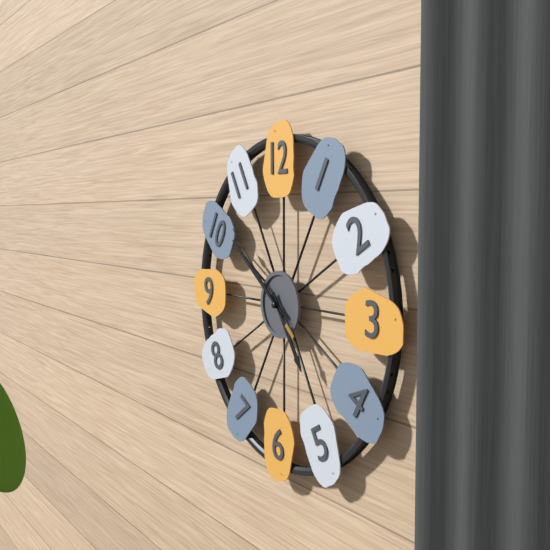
4.51.52
